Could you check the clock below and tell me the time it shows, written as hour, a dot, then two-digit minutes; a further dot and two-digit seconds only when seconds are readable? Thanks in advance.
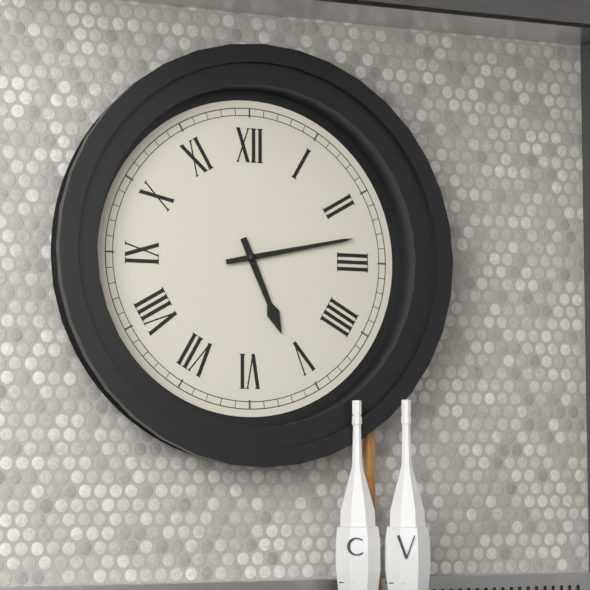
5.13
